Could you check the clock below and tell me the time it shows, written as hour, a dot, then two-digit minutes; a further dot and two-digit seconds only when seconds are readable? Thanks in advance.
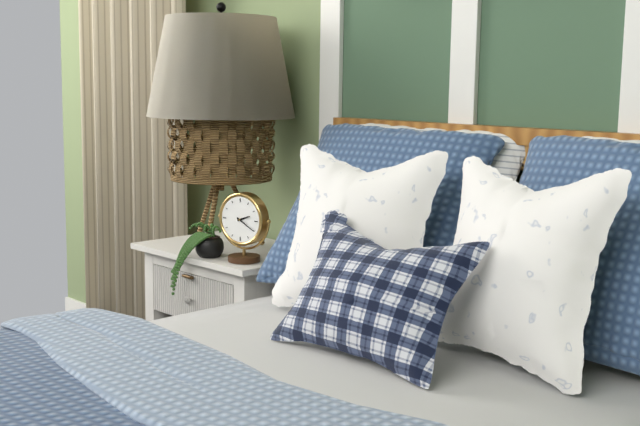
2.20
